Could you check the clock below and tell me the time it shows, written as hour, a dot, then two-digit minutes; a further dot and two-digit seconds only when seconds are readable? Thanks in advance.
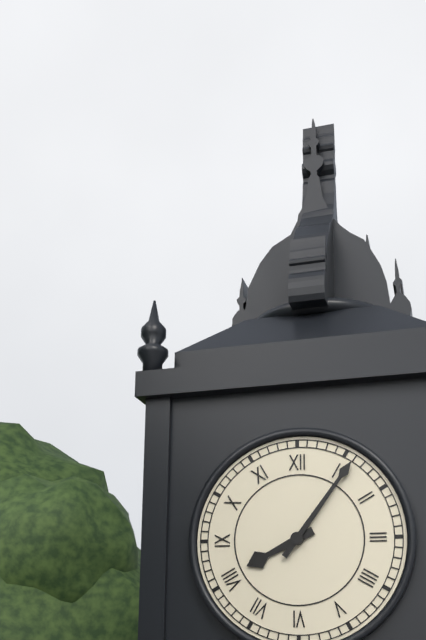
8.06
